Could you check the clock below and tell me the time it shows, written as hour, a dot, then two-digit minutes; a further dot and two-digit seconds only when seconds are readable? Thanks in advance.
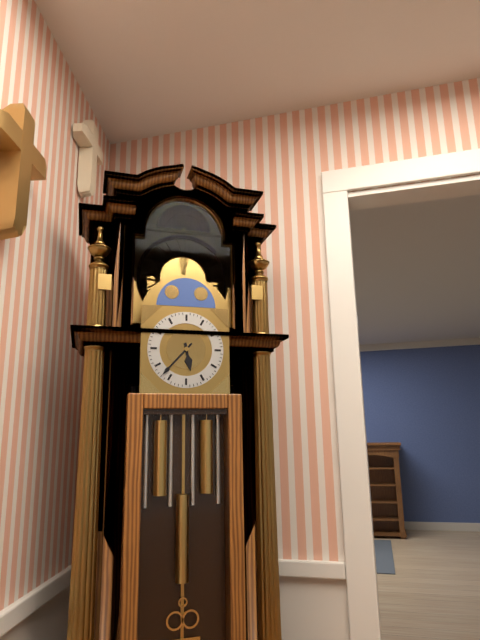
5.37
